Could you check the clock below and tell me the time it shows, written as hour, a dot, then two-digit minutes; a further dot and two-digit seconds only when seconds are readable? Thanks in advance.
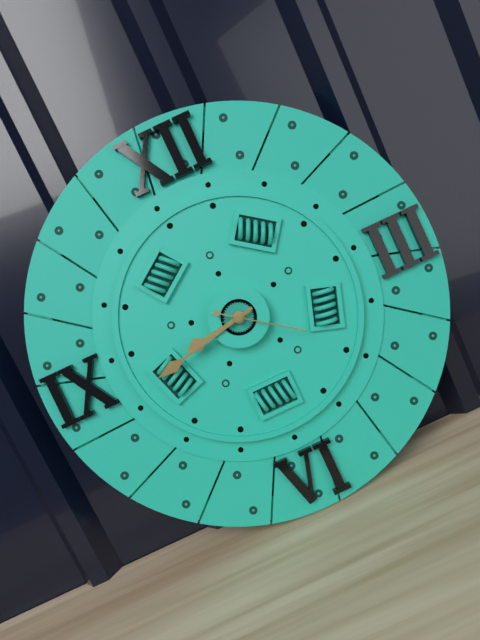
8.43.21
